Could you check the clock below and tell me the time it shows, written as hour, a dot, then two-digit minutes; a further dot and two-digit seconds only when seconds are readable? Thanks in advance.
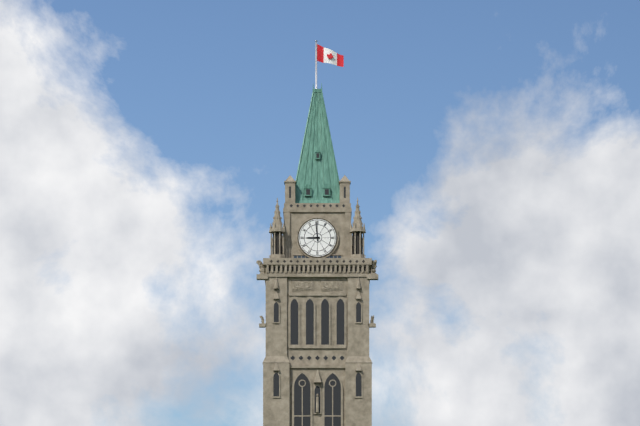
8.59
